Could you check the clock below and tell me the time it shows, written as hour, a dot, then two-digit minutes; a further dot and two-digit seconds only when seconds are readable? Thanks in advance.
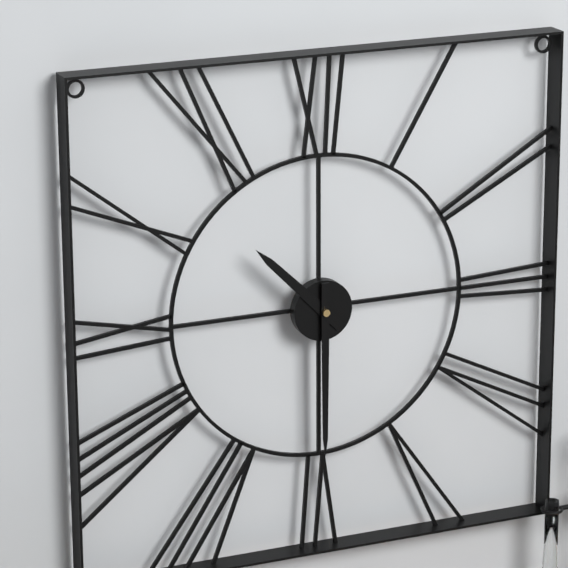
10.30
